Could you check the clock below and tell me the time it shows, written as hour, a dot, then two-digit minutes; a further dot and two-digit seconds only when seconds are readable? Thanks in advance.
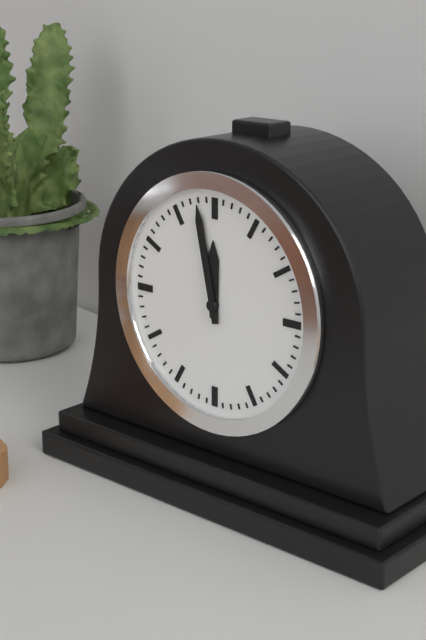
11.58
